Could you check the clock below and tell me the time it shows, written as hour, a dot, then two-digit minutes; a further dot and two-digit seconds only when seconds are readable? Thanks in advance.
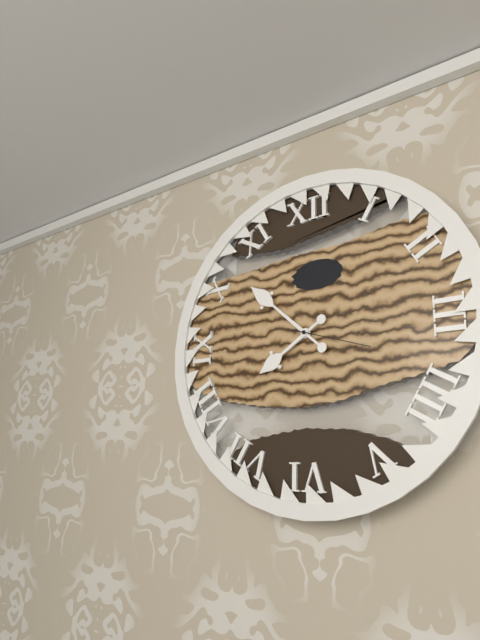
7.52.18
